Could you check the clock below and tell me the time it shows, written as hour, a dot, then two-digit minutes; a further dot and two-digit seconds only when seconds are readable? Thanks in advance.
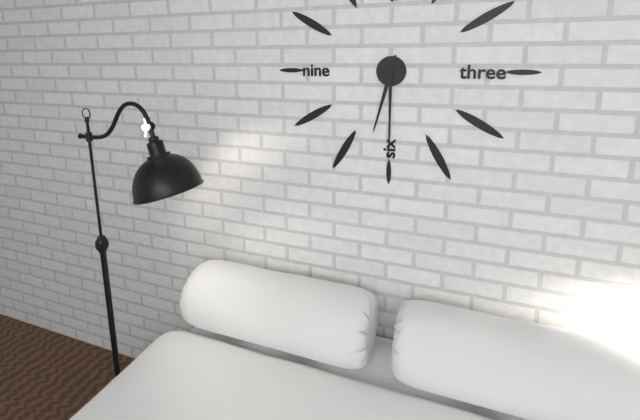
6.30
